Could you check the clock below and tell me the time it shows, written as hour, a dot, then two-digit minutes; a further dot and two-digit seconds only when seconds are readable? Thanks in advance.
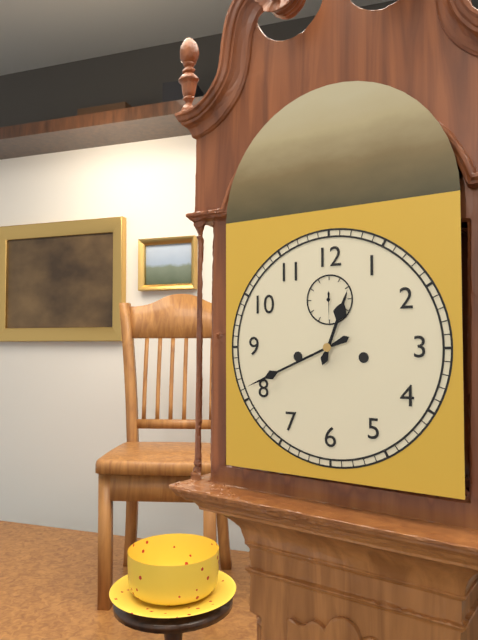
12.41
